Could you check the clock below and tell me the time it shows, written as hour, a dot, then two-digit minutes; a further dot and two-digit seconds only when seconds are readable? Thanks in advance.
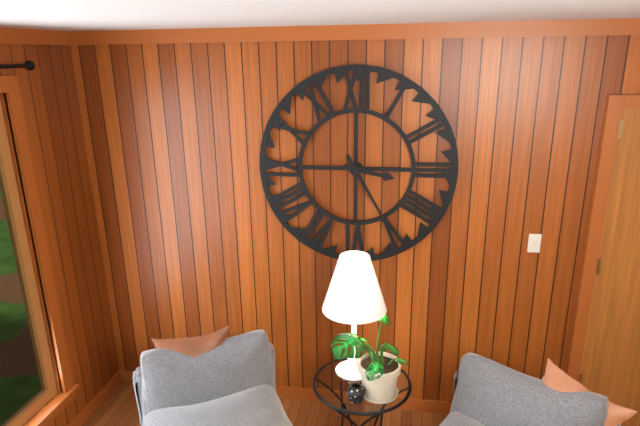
3.25
